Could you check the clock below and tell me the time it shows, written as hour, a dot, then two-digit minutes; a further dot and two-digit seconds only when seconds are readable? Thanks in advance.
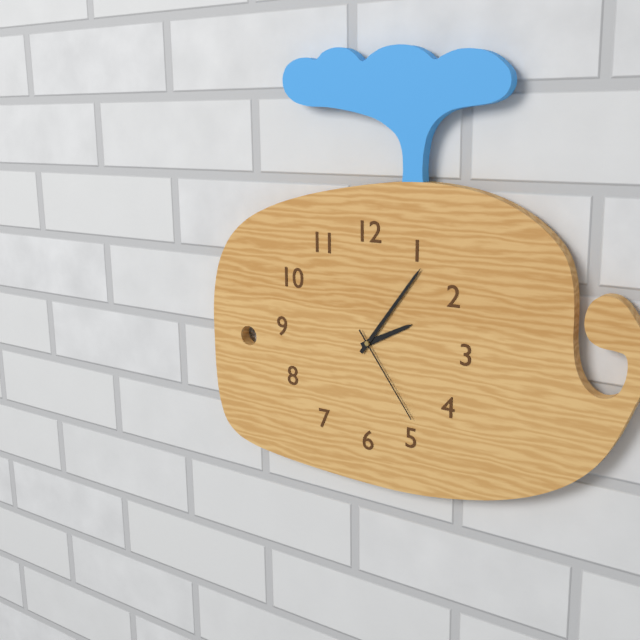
2.06.24
